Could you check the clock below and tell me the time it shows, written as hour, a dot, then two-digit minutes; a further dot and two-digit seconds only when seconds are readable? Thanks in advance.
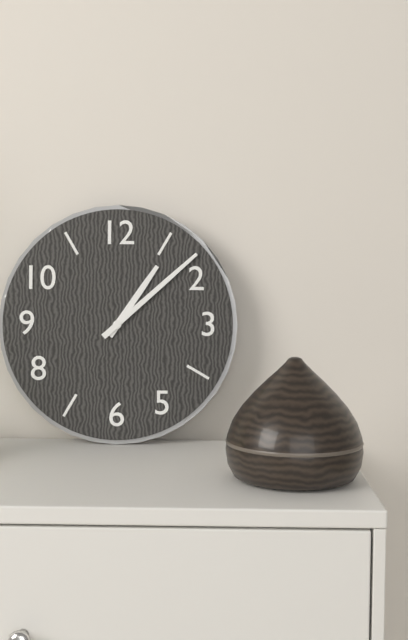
1.08
